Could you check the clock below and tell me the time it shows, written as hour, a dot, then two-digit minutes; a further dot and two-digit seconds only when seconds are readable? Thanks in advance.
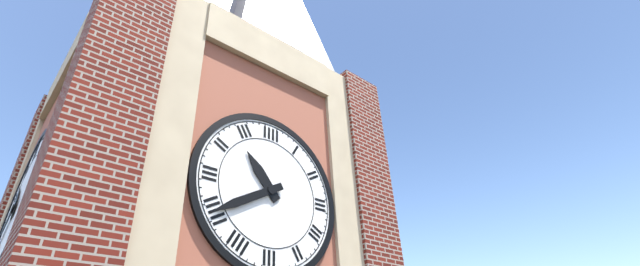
10.40
